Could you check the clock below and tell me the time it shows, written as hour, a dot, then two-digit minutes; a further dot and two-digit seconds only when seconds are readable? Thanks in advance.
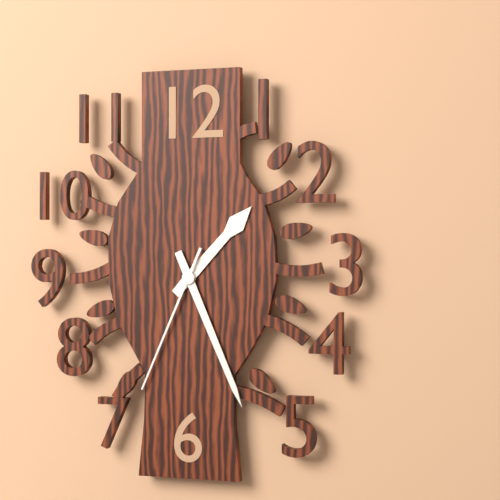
1.26.34
